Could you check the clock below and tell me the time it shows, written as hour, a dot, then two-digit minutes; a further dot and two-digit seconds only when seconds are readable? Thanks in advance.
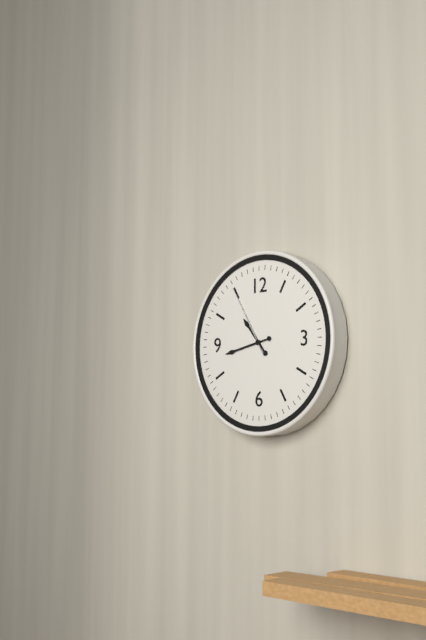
10.43.55
